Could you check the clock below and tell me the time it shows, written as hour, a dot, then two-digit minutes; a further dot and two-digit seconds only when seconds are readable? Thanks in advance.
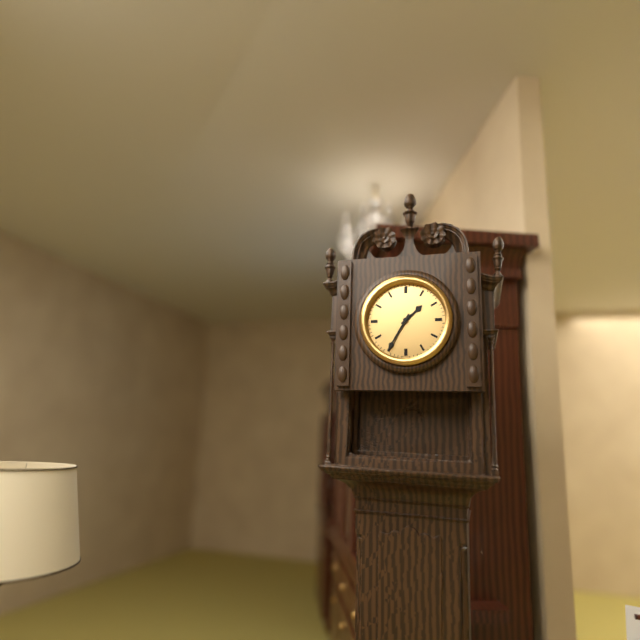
1.35
